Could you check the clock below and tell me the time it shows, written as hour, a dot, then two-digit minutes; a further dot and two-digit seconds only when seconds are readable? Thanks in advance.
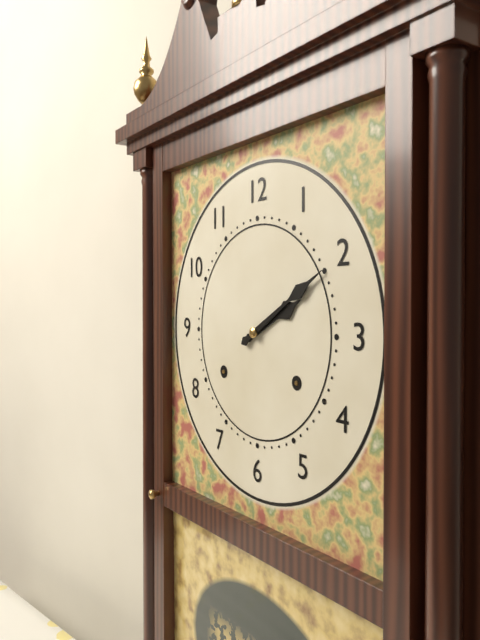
2.10
